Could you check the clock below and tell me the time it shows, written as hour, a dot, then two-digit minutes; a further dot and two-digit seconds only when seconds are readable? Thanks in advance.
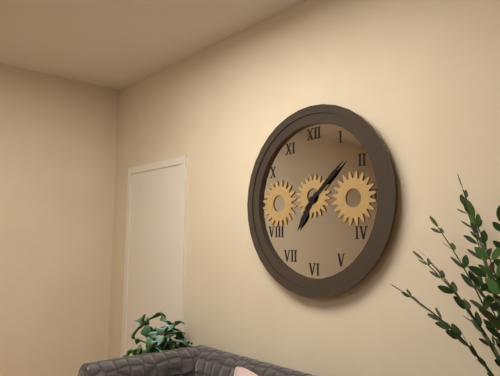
7.08
